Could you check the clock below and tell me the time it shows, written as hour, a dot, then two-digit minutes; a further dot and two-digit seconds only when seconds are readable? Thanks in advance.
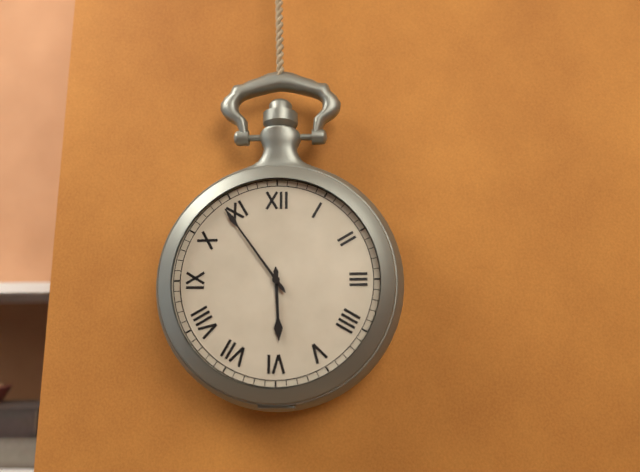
5.54
